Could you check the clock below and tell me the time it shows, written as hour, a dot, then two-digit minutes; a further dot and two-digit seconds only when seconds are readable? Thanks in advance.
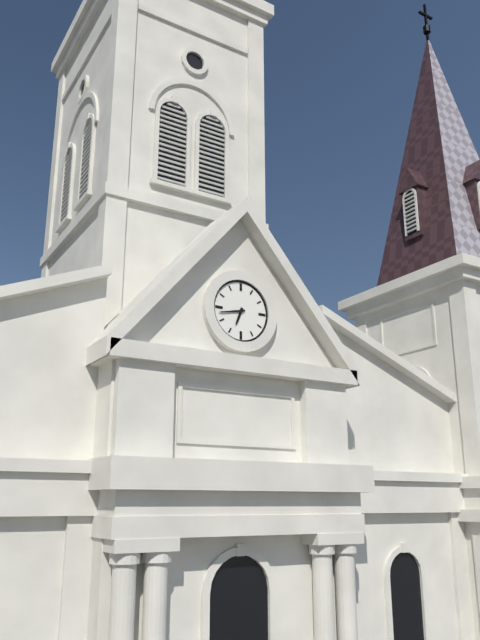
6.43
